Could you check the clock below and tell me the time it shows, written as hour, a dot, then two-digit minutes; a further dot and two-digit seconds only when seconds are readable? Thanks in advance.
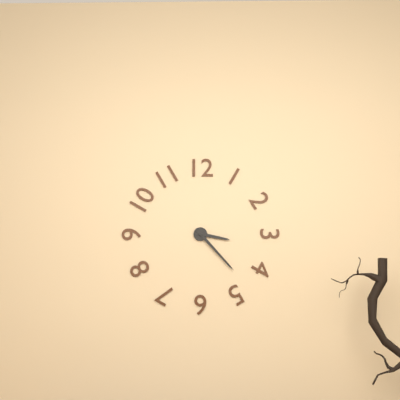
3.23
